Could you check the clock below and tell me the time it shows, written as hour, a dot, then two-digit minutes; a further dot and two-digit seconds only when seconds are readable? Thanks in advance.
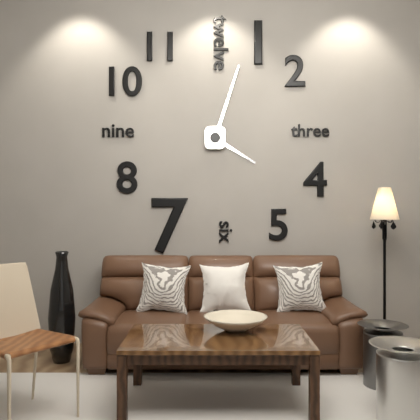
4.03
